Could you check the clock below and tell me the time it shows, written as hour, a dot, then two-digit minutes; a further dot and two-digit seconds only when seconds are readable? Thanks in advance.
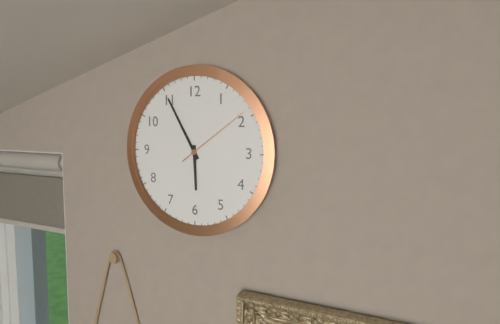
5.55.09
